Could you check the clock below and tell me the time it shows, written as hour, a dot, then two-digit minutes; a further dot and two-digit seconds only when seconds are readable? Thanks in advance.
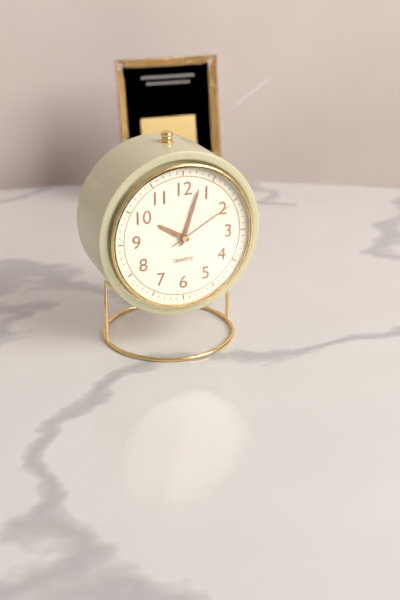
10.03.10
